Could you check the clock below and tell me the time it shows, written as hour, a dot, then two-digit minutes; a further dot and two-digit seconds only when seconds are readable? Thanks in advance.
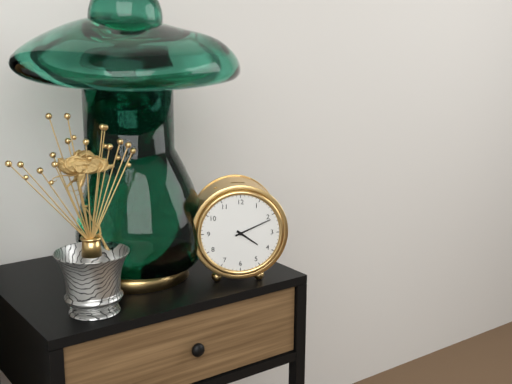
4.11
